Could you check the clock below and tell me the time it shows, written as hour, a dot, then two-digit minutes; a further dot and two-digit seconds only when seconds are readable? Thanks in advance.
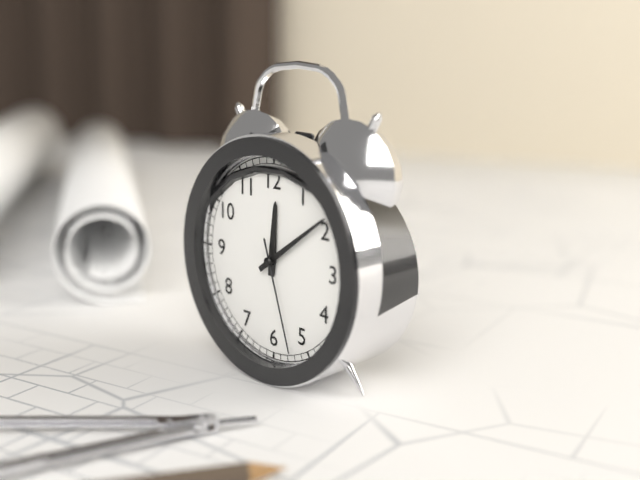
12.09.27
